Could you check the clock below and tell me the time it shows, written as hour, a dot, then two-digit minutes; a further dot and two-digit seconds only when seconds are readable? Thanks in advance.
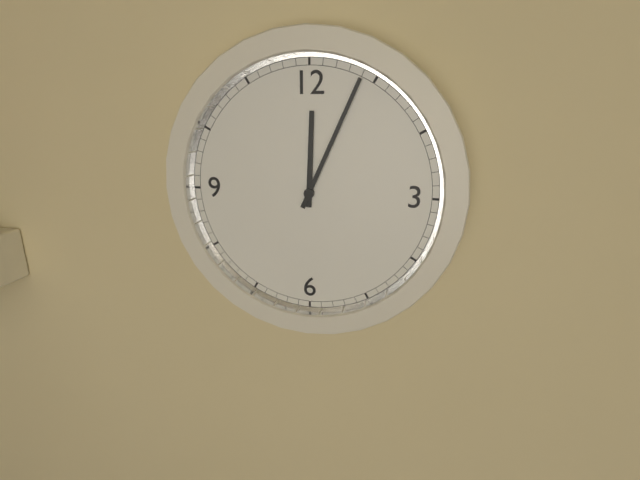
12.04
